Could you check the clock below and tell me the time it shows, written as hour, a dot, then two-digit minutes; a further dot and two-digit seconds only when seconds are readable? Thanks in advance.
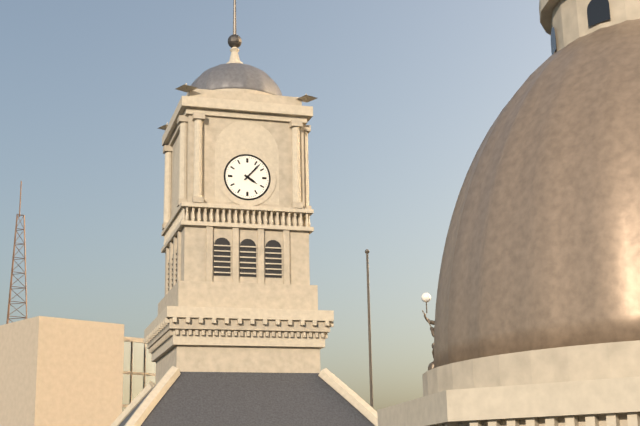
4.07
